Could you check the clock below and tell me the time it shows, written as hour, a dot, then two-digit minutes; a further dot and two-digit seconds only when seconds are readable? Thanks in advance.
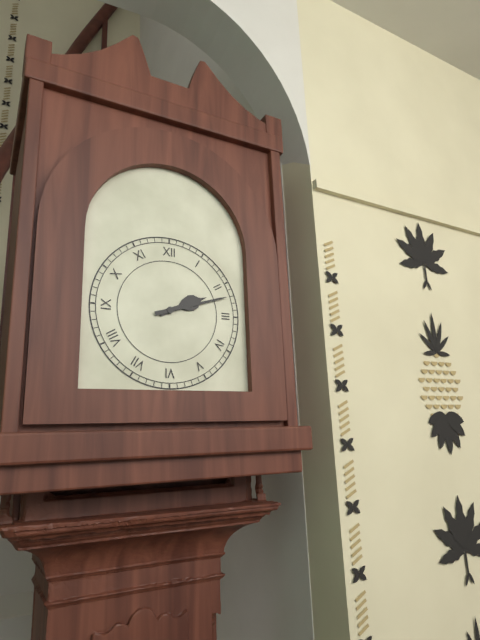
2.12
